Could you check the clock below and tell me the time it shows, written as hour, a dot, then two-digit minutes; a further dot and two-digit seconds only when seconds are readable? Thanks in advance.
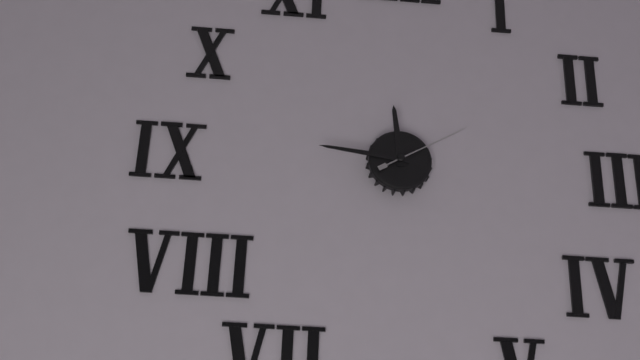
11.46.10
